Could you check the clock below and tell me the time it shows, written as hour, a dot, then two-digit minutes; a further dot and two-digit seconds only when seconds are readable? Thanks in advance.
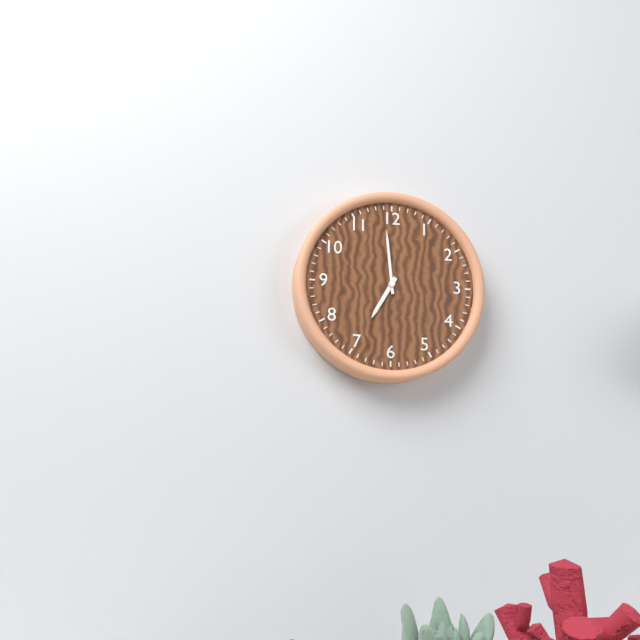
6.59
